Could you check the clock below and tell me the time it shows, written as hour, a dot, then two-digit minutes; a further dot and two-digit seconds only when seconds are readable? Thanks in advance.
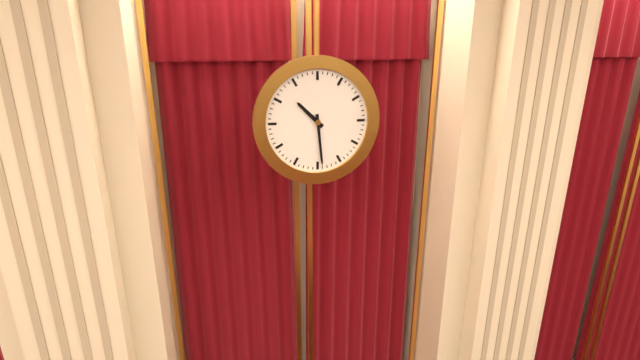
10.29
